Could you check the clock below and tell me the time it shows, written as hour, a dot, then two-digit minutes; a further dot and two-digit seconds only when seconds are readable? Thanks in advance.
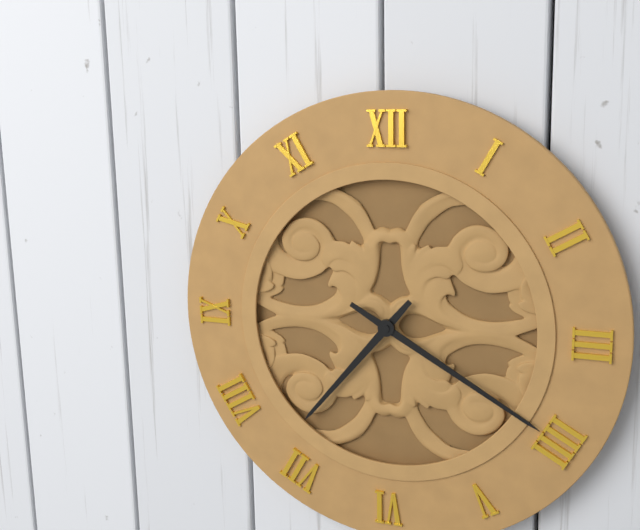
7.20
